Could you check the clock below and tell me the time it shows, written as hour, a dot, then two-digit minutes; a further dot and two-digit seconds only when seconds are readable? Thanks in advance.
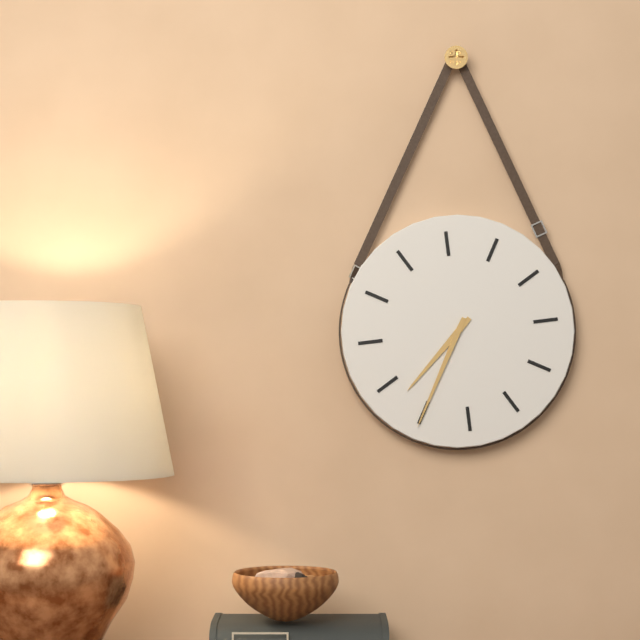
7.35
